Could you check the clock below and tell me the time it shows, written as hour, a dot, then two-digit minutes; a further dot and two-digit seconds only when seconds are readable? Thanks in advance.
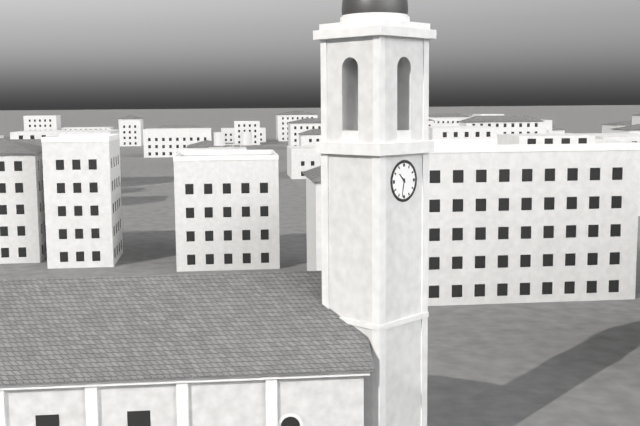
10.32
